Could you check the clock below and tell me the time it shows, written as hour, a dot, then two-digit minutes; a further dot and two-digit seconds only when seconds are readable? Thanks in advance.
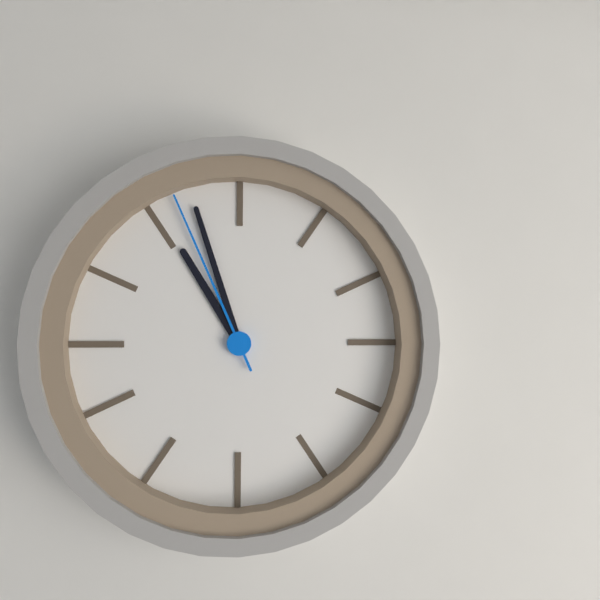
10.57.56
